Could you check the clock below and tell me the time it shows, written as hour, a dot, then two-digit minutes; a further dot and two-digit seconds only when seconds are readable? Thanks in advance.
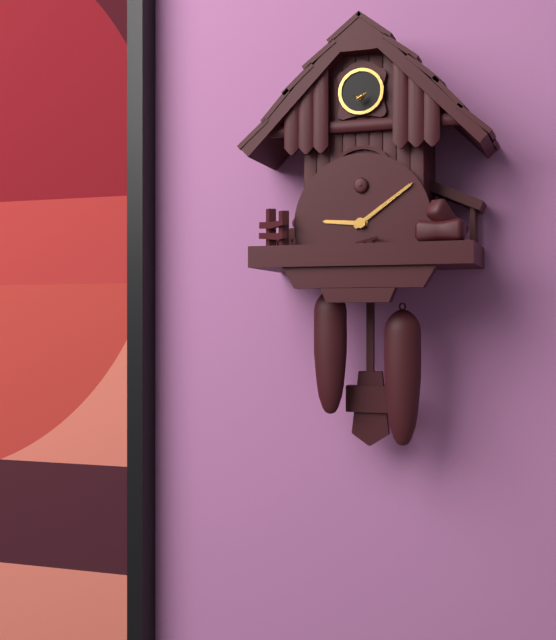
9.09
